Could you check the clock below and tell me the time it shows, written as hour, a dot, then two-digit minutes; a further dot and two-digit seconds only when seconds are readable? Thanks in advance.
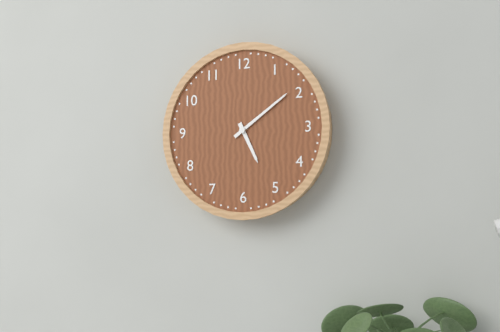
5.09
